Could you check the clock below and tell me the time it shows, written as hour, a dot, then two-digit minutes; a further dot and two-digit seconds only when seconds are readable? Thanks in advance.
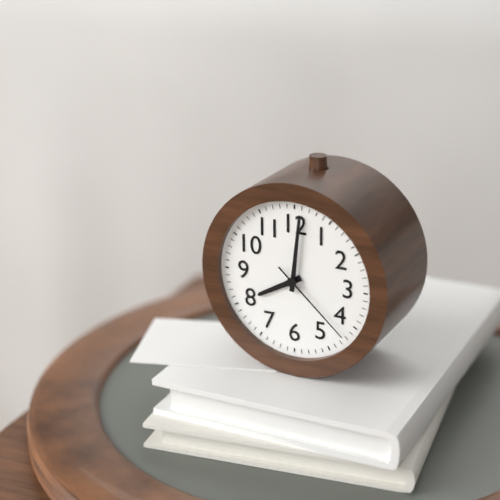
8.01.22
